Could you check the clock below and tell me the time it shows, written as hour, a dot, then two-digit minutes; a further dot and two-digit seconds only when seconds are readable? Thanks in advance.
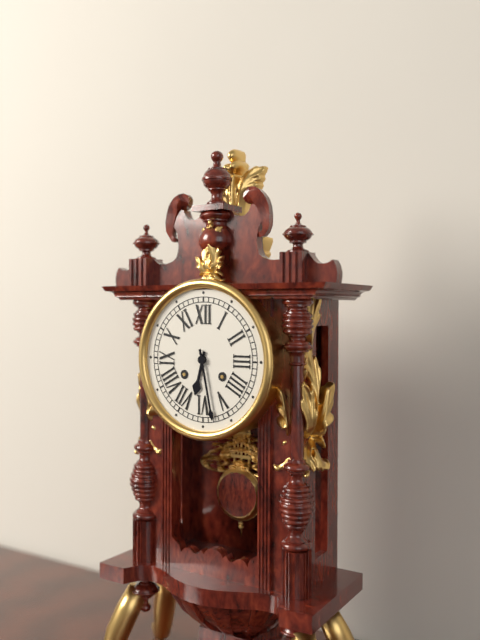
6.28
